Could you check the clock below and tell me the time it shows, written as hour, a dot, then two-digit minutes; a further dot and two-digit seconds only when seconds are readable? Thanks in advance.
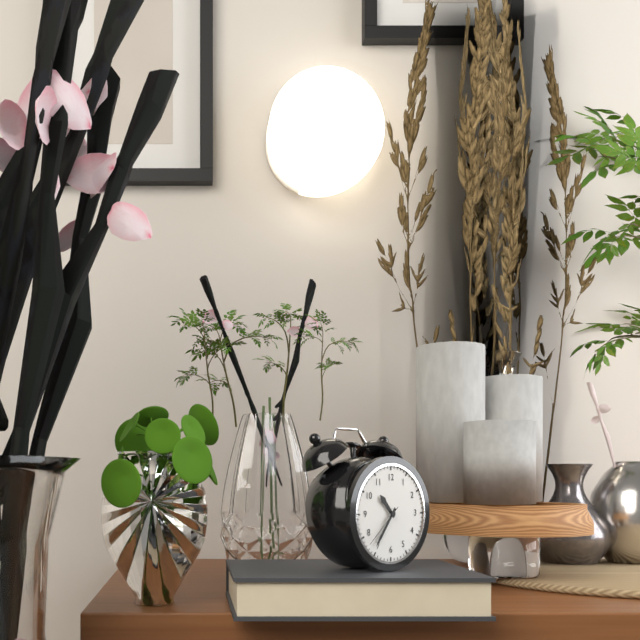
10.36
